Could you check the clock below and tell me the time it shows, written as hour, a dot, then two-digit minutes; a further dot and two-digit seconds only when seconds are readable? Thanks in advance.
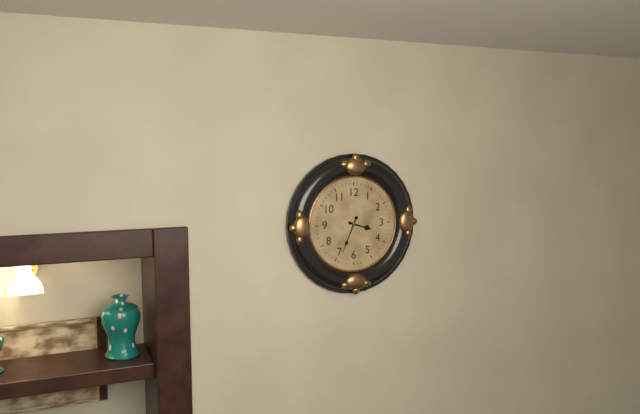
3.34
